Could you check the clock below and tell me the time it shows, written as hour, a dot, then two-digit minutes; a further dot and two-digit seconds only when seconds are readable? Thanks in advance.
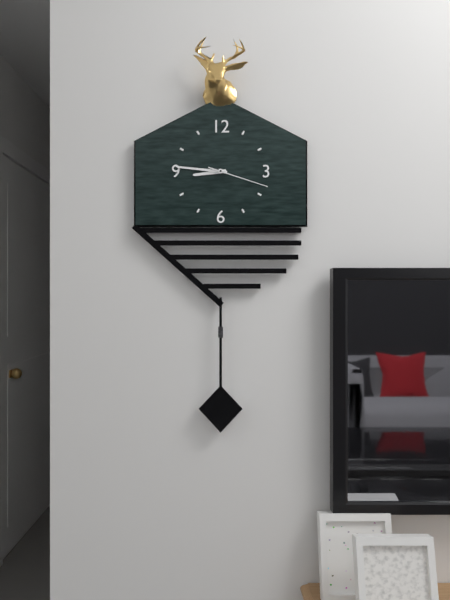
8.46.18
